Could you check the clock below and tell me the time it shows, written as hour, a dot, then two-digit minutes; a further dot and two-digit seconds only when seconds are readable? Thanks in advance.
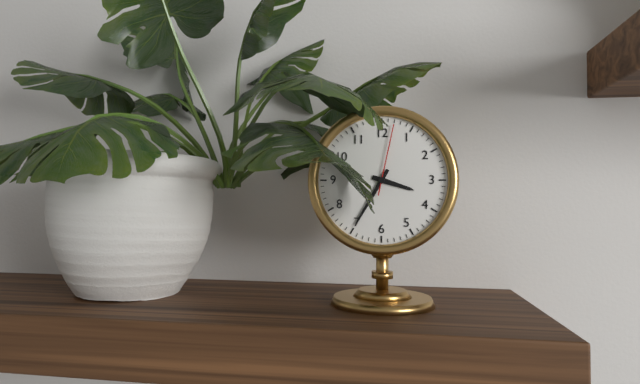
3.35.02
